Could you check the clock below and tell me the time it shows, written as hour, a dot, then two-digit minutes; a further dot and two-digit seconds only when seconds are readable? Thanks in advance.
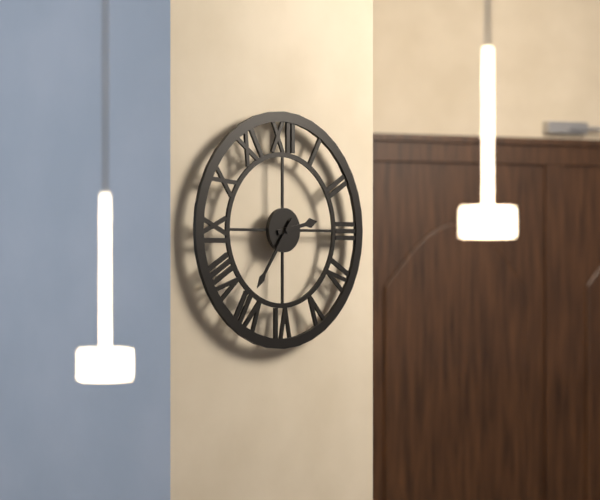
2.36
